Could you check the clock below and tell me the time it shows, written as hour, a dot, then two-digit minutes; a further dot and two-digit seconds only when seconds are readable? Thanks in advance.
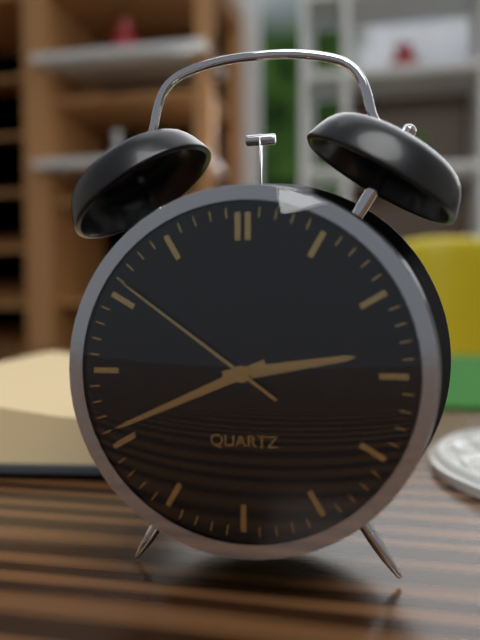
2.41.51
